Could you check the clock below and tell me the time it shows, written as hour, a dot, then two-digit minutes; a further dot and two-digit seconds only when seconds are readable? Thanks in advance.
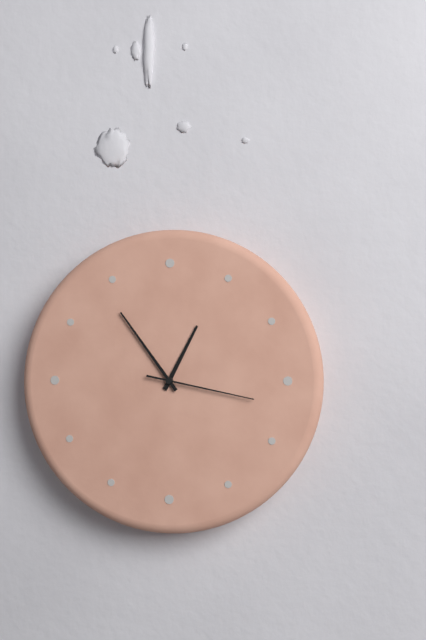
12.54.17
